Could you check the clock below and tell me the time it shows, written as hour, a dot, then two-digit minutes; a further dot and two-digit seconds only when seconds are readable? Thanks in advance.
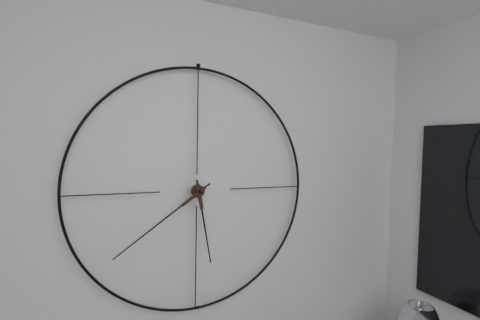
5.39
